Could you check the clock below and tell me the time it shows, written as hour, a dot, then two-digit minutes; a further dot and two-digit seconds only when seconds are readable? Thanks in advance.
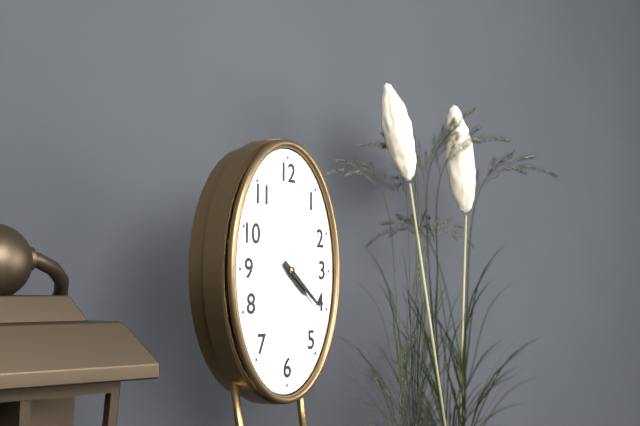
4.21
